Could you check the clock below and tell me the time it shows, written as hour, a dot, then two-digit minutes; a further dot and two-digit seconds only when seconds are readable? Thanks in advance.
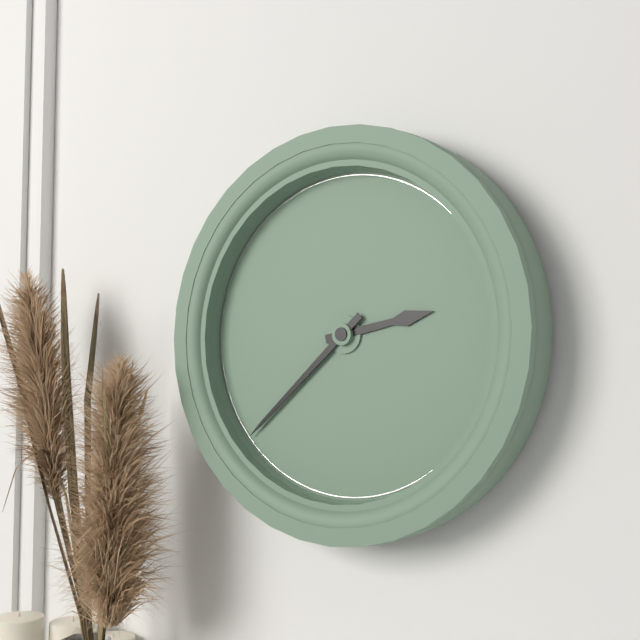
2.38
